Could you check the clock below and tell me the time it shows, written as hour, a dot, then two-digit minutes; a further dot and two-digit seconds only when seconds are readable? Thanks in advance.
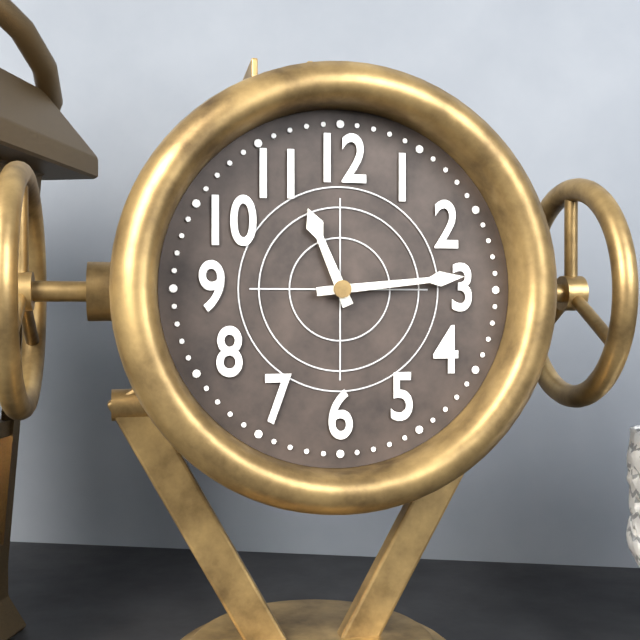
11.14
